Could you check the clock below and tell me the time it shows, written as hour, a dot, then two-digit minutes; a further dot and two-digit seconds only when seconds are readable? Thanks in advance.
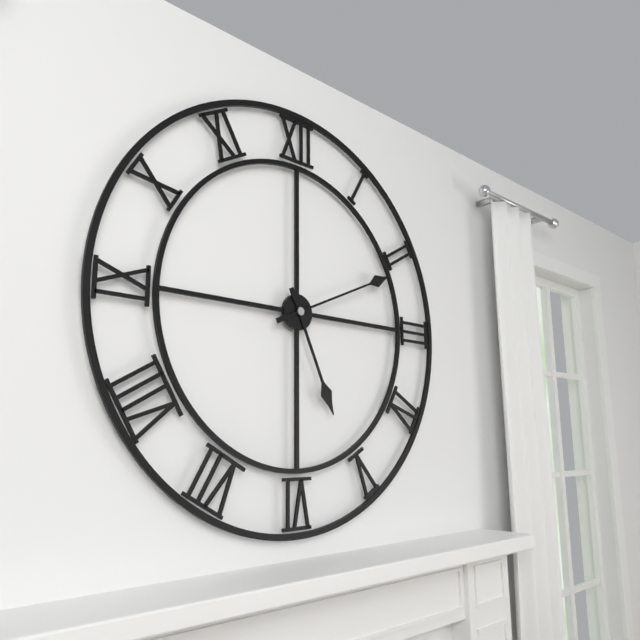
5.11
